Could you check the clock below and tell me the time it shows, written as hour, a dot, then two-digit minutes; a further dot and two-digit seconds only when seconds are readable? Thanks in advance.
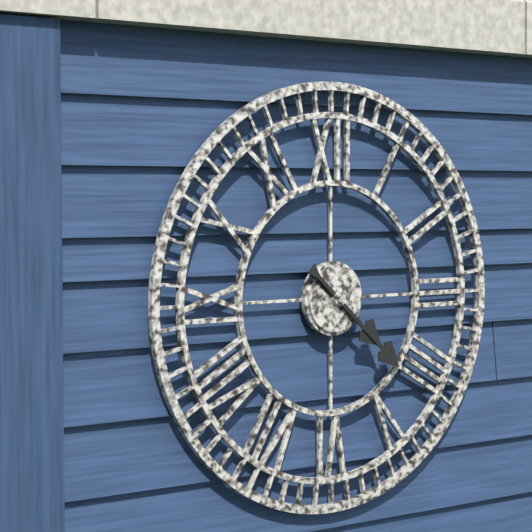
4.22
